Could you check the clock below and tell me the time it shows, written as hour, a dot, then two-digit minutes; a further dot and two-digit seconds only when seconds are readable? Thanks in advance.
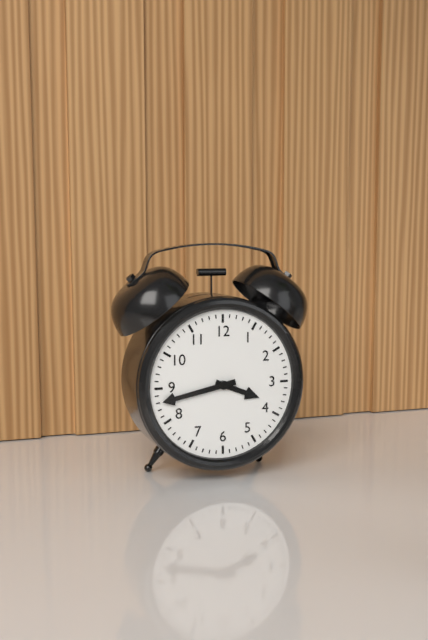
3.43
